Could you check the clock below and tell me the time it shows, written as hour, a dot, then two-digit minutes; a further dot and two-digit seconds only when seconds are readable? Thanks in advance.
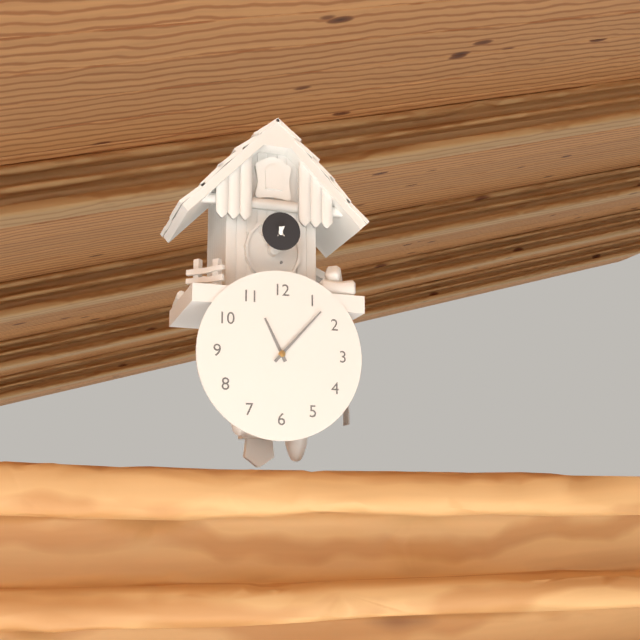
11.07
